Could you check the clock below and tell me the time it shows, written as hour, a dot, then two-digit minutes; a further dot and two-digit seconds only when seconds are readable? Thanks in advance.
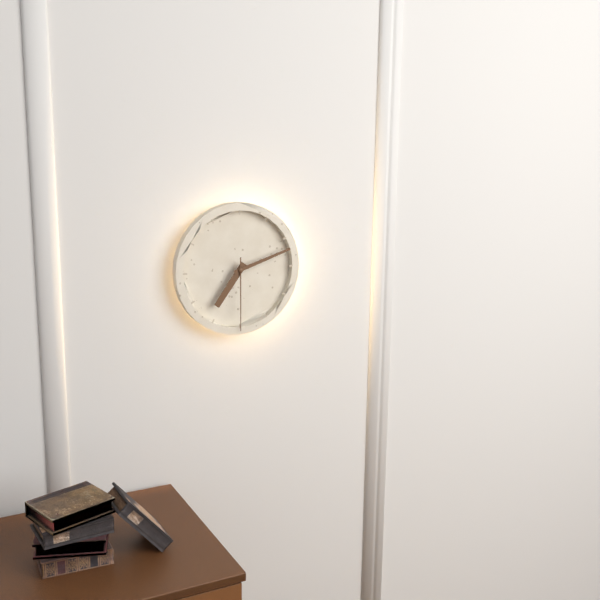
7.12.30
